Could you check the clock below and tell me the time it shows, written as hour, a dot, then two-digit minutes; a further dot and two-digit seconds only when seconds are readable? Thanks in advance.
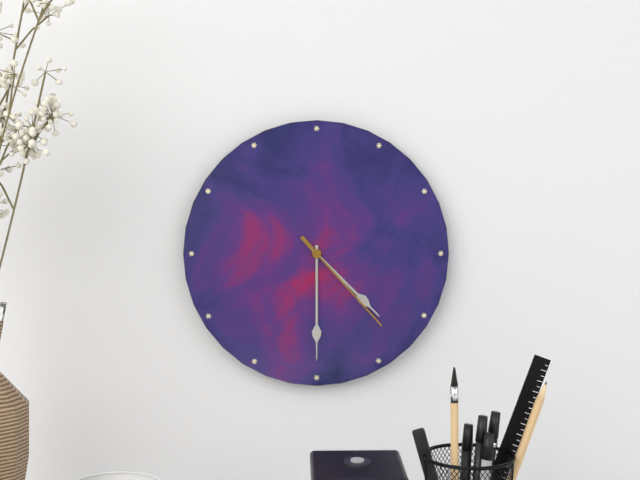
4.30.23
